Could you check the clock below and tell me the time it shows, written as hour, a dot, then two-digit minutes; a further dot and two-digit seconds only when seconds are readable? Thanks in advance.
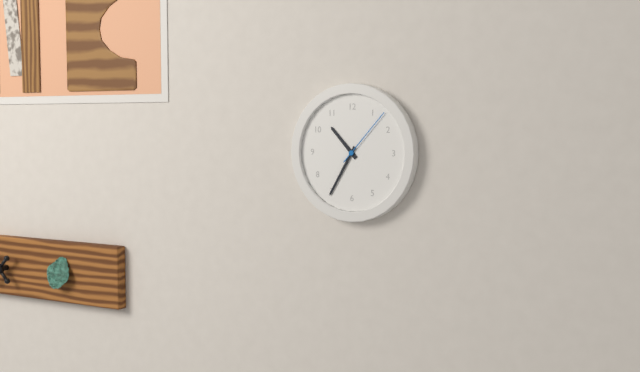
10.35.07
